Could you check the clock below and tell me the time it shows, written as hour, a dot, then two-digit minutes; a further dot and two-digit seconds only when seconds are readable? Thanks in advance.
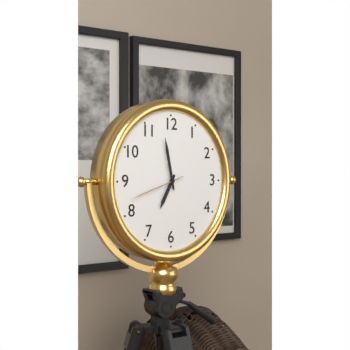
6.58.42
